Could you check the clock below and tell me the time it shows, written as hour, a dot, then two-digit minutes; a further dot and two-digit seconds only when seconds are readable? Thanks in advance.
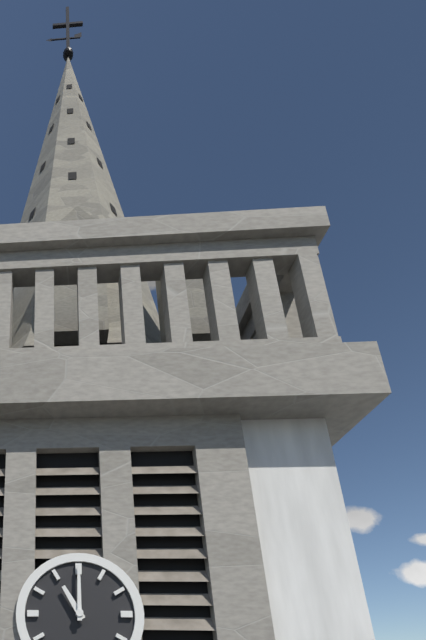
11.00
